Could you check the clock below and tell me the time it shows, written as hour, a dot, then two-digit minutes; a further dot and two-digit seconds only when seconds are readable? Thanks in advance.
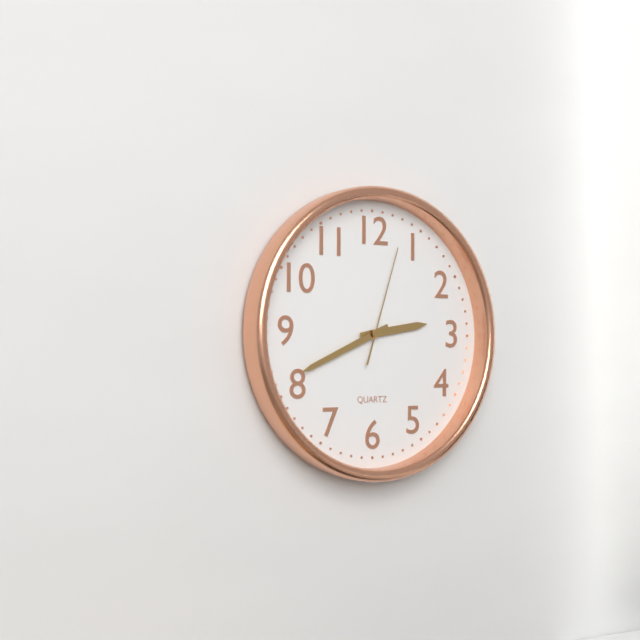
2.41.03
